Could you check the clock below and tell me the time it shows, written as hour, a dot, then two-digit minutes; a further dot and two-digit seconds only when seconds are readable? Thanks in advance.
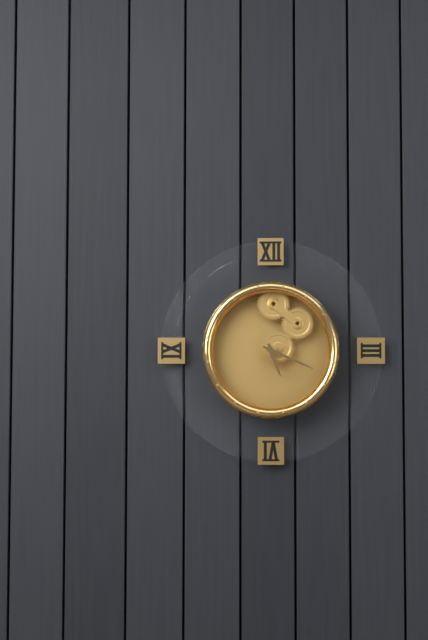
5.19
